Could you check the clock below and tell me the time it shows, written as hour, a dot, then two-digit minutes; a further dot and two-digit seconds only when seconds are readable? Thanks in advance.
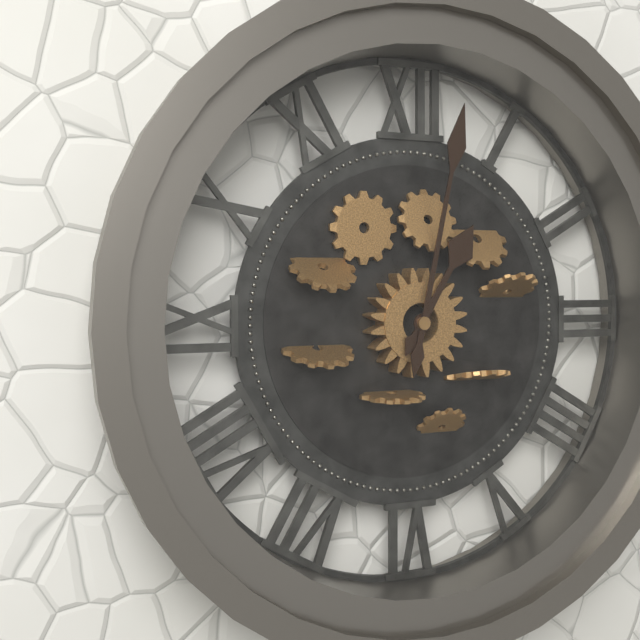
1.02
